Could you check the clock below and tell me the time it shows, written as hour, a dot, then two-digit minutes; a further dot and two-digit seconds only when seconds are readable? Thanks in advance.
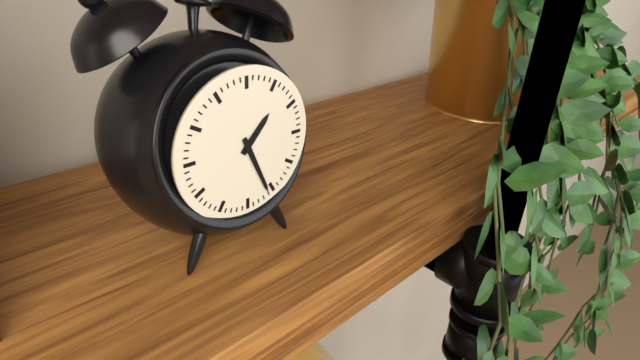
1.26
